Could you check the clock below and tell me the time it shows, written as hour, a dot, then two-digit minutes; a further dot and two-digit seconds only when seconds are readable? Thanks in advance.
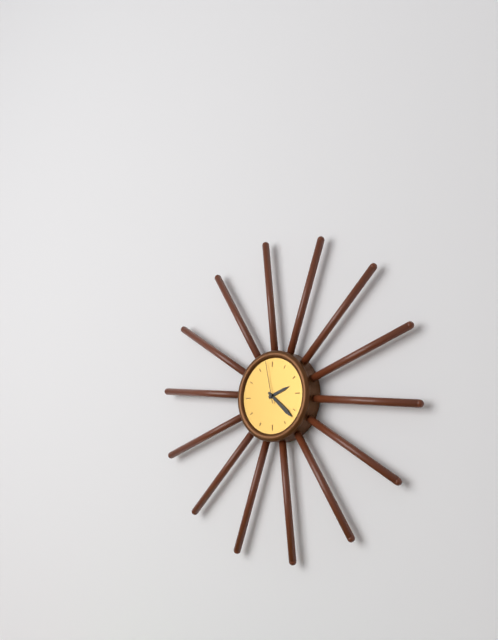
2.22
